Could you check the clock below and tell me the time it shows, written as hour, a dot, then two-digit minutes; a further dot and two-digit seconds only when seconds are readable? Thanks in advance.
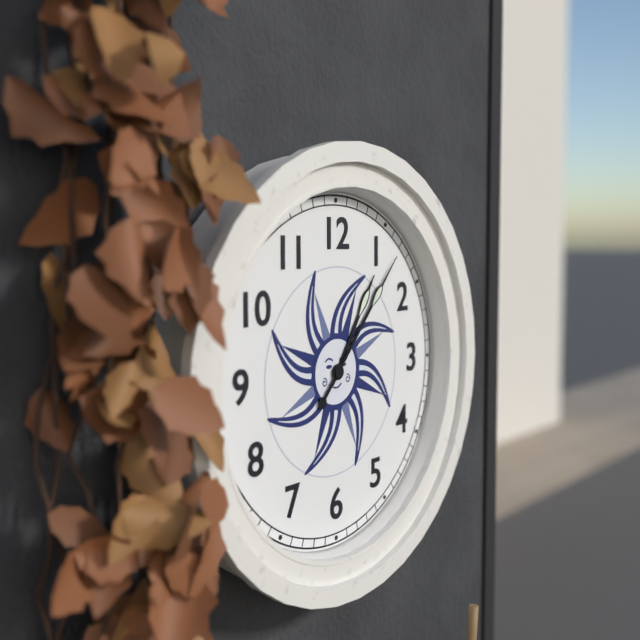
1.07
